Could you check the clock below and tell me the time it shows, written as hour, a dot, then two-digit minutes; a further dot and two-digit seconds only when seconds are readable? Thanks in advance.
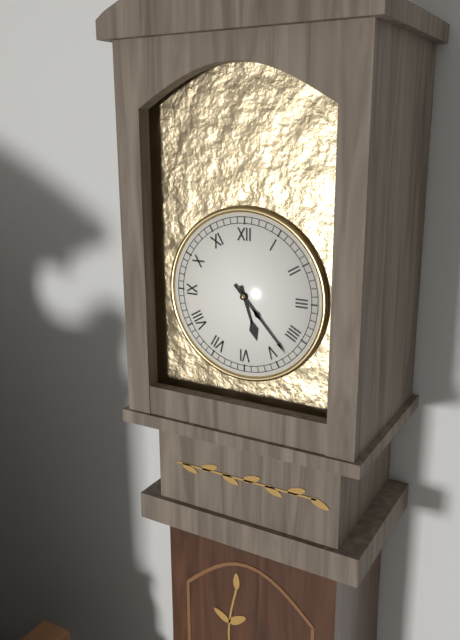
5.23
